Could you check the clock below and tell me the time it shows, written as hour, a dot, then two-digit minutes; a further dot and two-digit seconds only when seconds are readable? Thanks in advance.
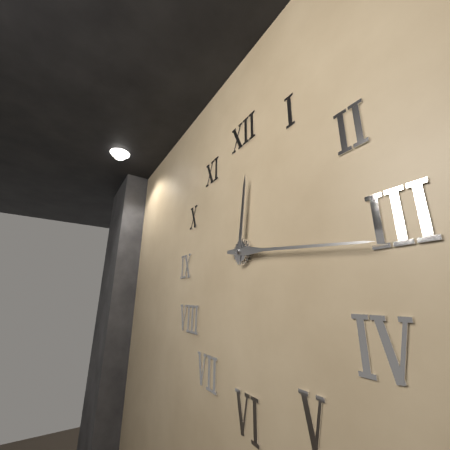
12.16
